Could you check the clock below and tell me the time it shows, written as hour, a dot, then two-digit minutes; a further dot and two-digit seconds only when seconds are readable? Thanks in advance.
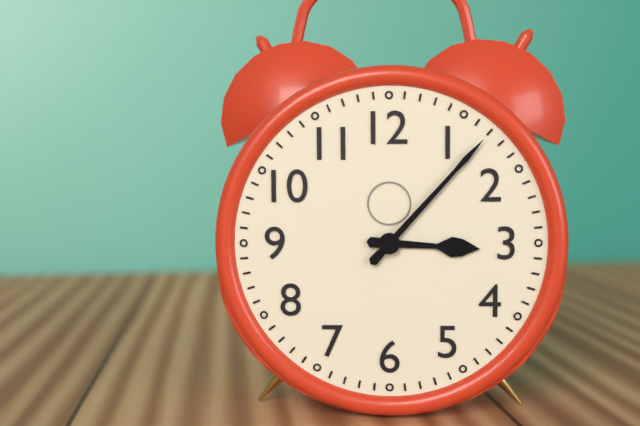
3.07
